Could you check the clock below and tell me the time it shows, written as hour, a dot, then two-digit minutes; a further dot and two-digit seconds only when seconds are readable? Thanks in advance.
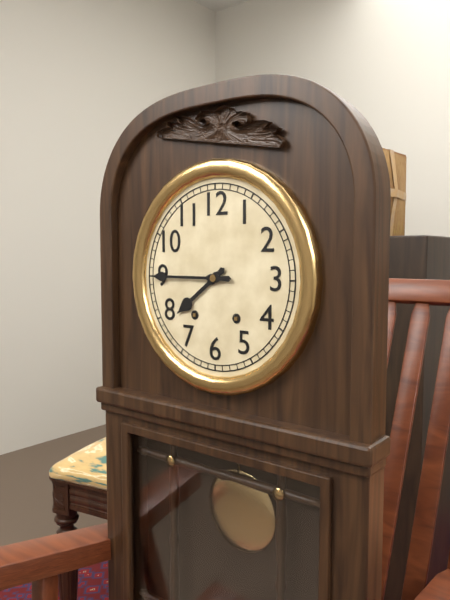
7.45
